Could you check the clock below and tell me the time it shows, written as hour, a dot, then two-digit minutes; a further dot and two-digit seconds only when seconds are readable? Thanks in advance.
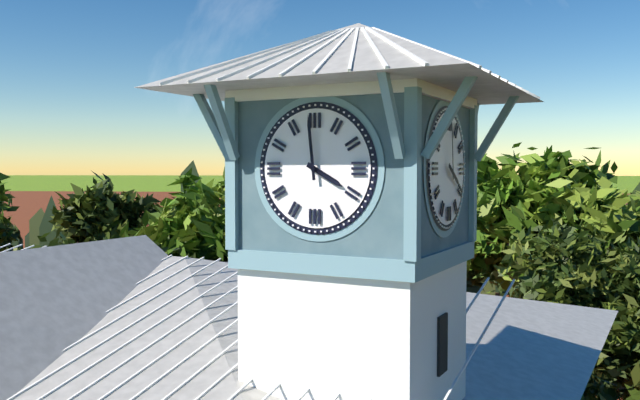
3.59
